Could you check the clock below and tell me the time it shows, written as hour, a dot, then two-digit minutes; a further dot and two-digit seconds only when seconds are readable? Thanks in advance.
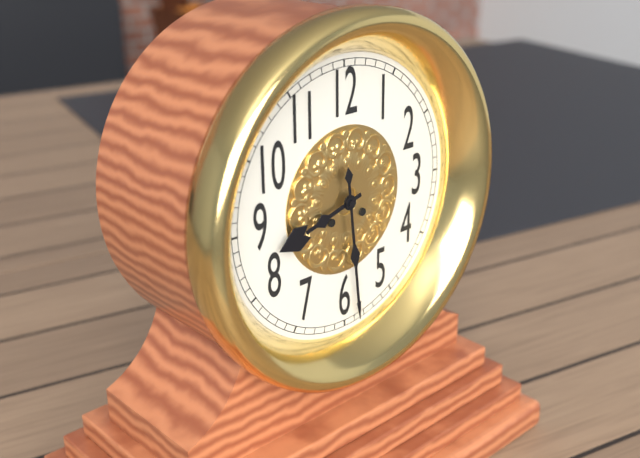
8.29
